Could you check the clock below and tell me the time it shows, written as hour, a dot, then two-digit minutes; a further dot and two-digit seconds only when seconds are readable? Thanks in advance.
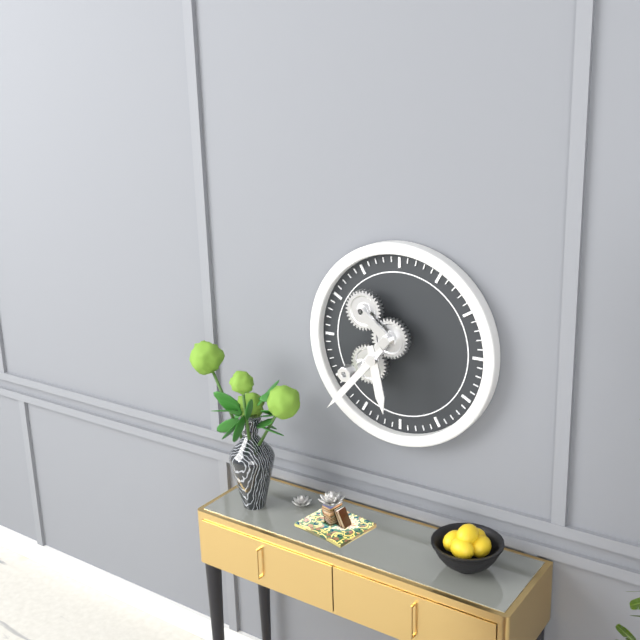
5.37
